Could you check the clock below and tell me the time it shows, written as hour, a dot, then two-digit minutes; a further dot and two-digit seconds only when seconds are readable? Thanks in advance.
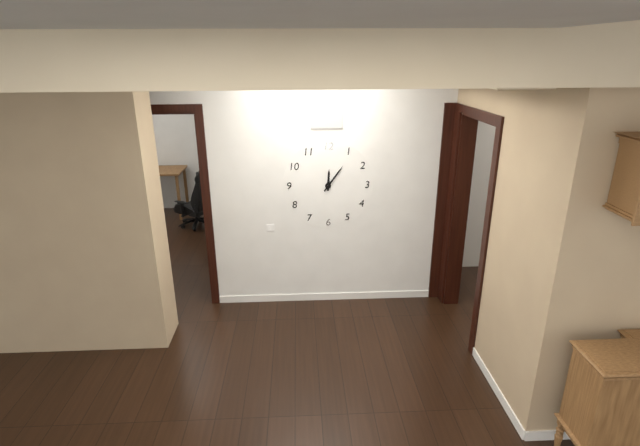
12.06
